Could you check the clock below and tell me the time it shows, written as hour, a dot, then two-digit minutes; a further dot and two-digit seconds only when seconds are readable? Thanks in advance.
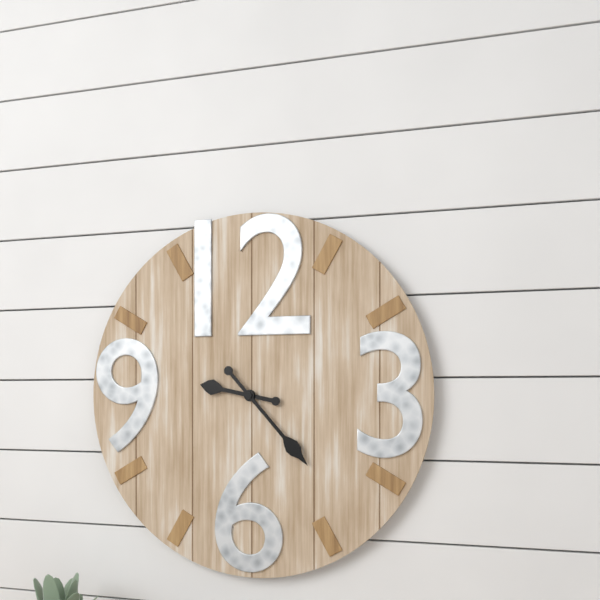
9.23
